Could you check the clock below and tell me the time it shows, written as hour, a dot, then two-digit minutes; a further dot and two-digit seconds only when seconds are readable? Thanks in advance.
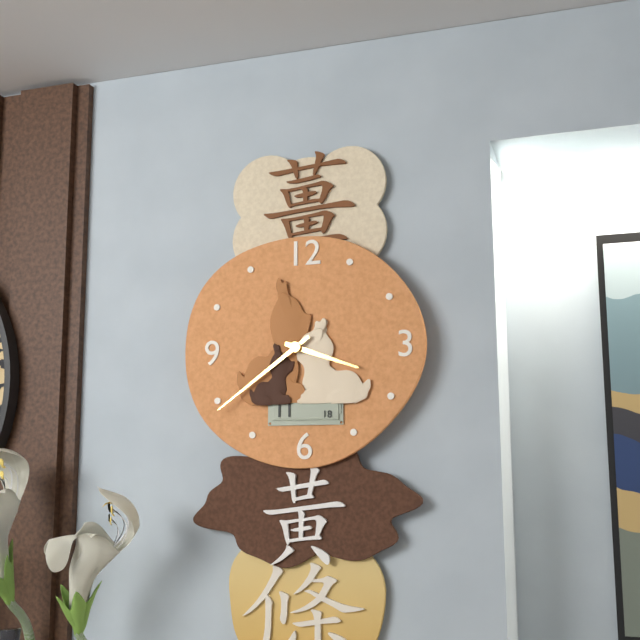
3.39
